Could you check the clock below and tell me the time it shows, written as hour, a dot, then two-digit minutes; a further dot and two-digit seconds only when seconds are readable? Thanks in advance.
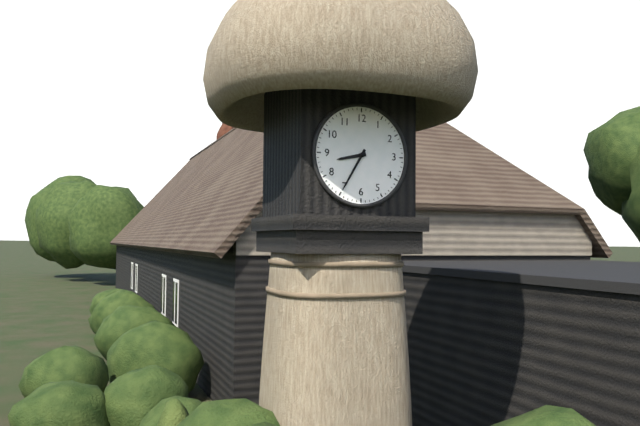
8.35
